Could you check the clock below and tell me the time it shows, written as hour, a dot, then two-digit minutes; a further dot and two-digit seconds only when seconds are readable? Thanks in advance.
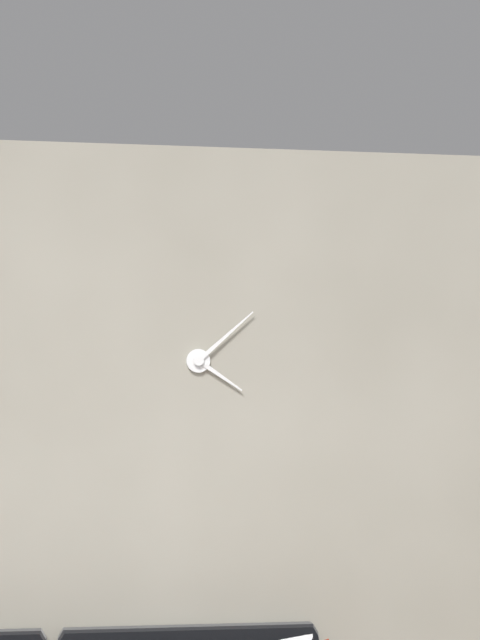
4.08
